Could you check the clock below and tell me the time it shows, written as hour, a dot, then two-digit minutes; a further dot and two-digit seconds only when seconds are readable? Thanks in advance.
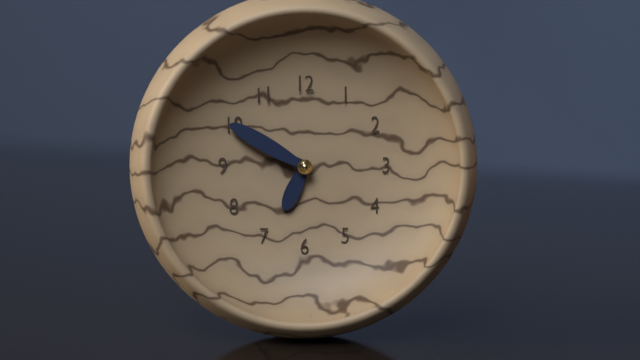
6.50
